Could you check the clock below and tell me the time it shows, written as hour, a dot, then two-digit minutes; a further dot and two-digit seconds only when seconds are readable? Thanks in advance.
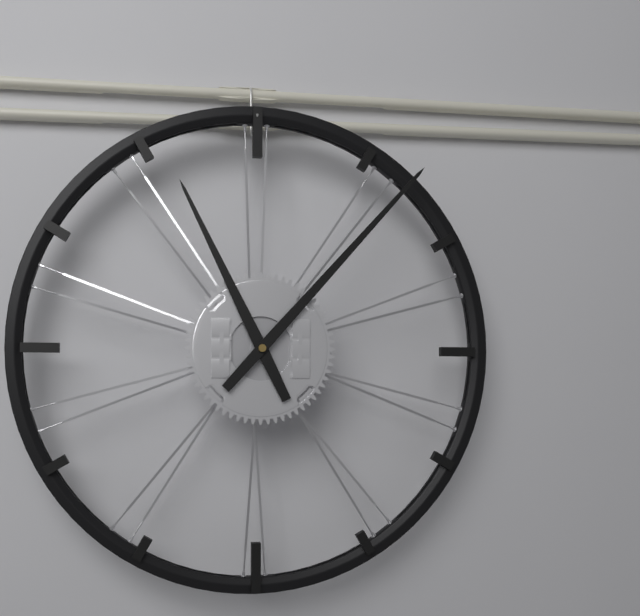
11.07
